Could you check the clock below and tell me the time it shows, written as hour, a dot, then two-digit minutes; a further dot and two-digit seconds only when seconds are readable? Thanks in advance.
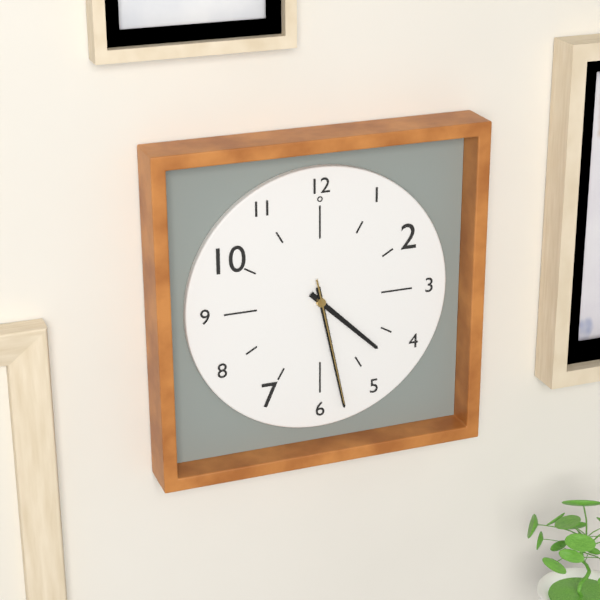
4.28.28
